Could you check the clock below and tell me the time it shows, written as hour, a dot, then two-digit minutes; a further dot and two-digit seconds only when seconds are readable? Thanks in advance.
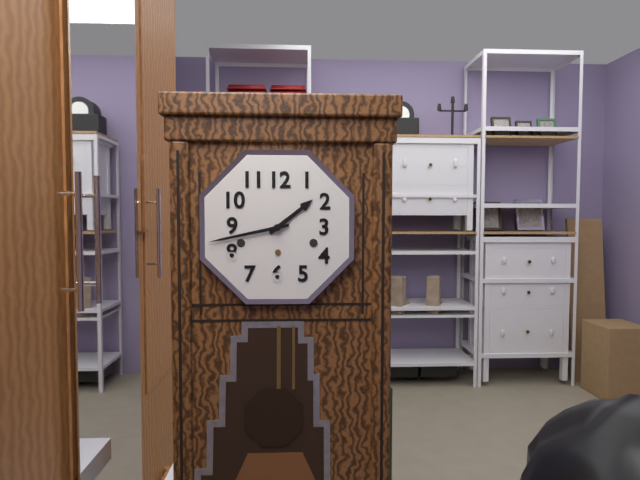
1.43
